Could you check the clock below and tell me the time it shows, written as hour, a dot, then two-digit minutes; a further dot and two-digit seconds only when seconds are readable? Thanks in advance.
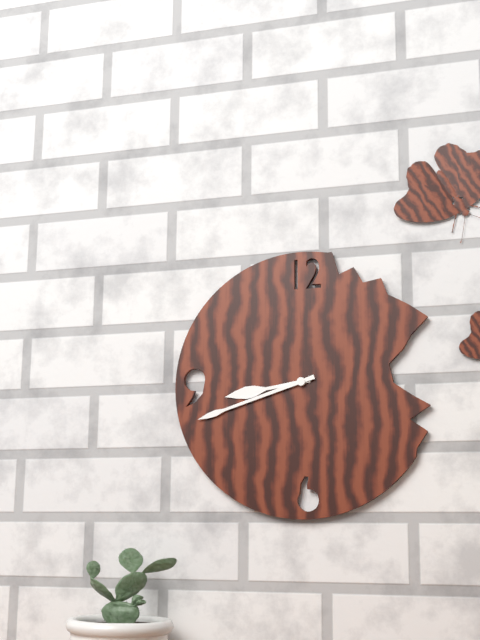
8.42
